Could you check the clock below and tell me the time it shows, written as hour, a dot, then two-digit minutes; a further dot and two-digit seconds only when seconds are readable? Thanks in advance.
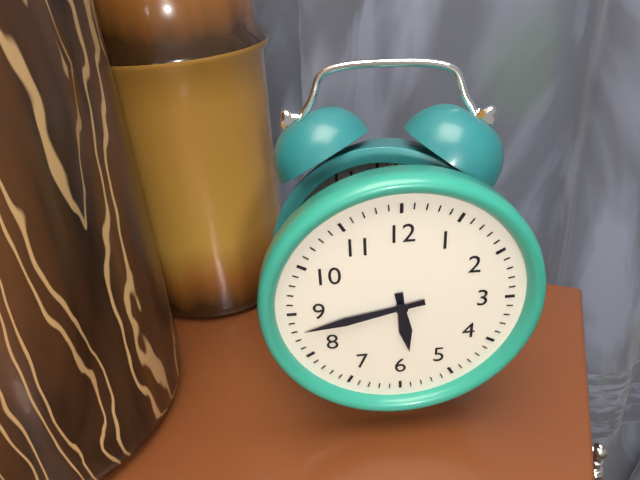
5.43
